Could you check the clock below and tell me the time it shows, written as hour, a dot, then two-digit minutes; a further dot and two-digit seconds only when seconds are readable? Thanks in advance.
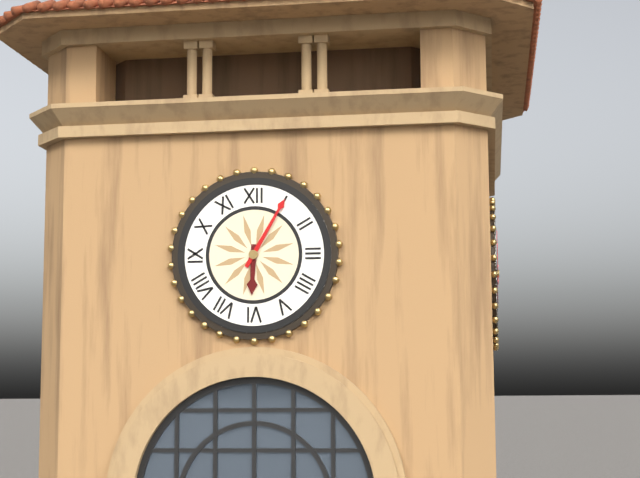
6.05
